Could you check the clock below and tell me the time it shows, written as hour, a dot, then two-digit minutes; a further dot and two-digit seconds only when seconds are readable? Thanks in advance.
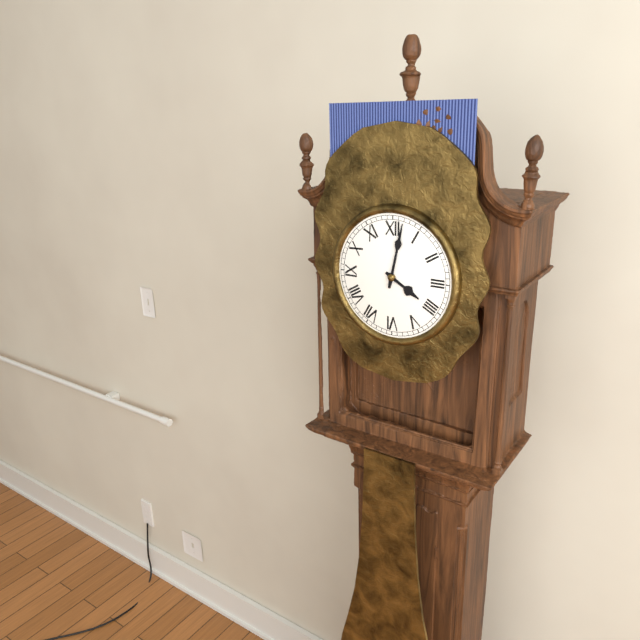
4.02
